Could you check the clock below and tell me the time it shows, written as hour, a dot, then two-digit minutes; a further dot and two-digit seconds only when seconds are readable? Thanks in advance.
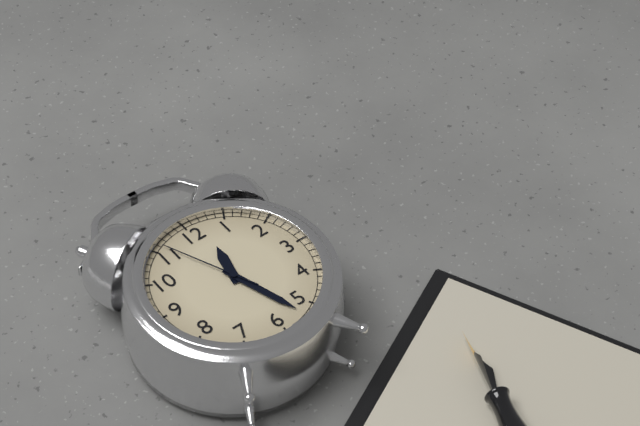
12.27.56
